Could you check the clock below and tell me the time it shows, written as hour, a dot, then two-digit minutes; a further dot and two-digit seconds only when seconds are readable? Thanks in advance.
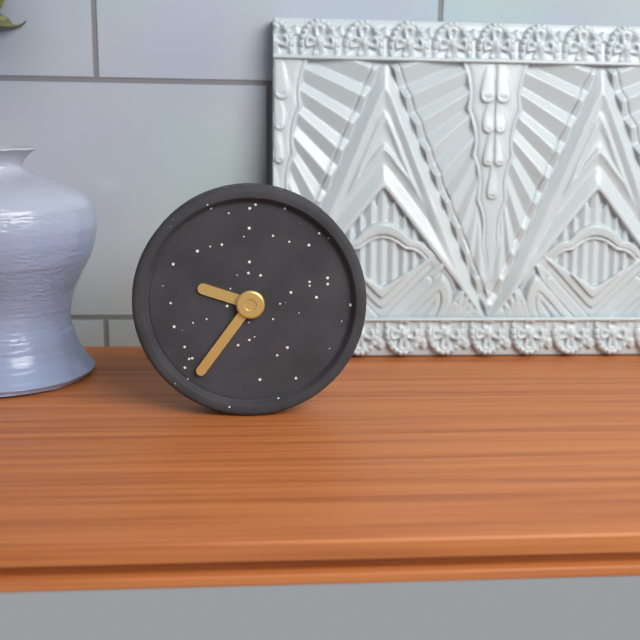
9.36
